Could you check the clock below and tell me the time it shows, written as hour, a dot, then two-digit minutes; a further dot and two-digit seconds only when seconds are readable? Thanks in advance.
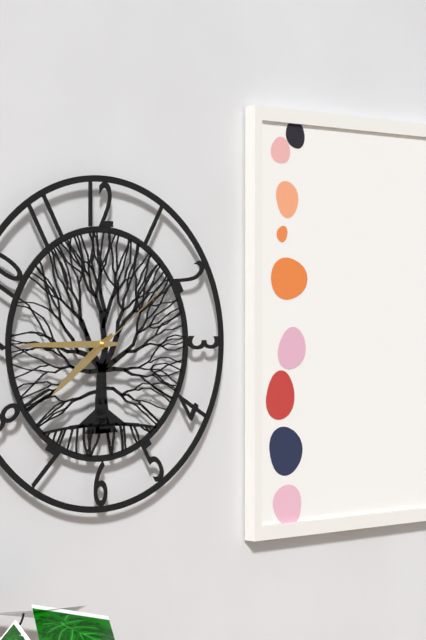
7.45.09
